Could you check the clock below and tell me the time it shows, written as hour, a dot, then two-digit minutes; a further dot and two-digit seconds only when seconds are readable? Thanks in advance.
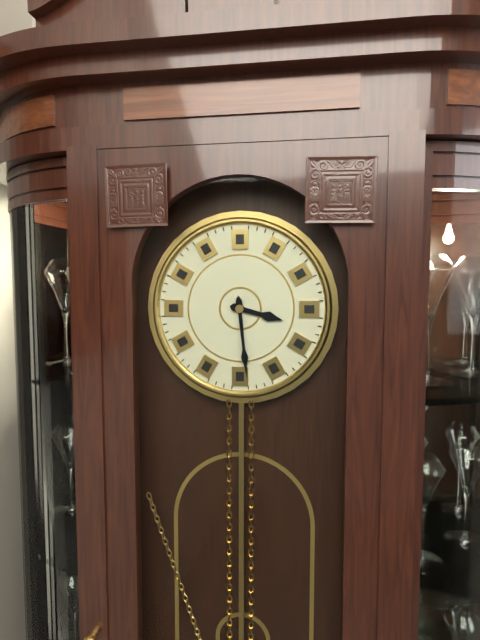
3.29
